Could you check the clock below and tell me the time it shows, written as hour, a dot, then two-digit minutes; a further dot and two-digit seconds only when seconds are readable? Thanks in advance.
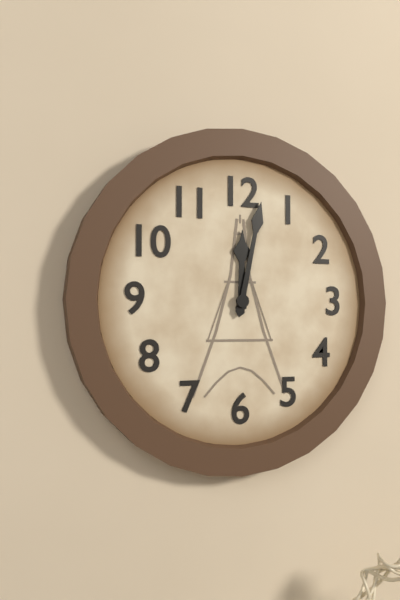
12.02
